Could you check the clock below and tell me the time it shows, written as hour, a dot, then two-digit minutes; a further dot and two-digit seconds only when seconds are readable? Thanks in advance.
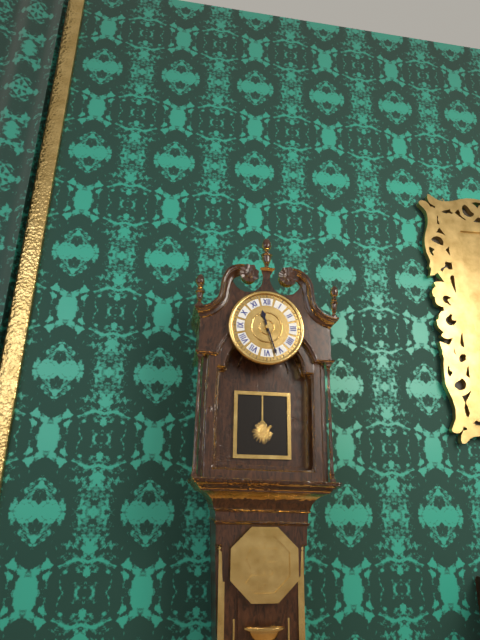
11.27
